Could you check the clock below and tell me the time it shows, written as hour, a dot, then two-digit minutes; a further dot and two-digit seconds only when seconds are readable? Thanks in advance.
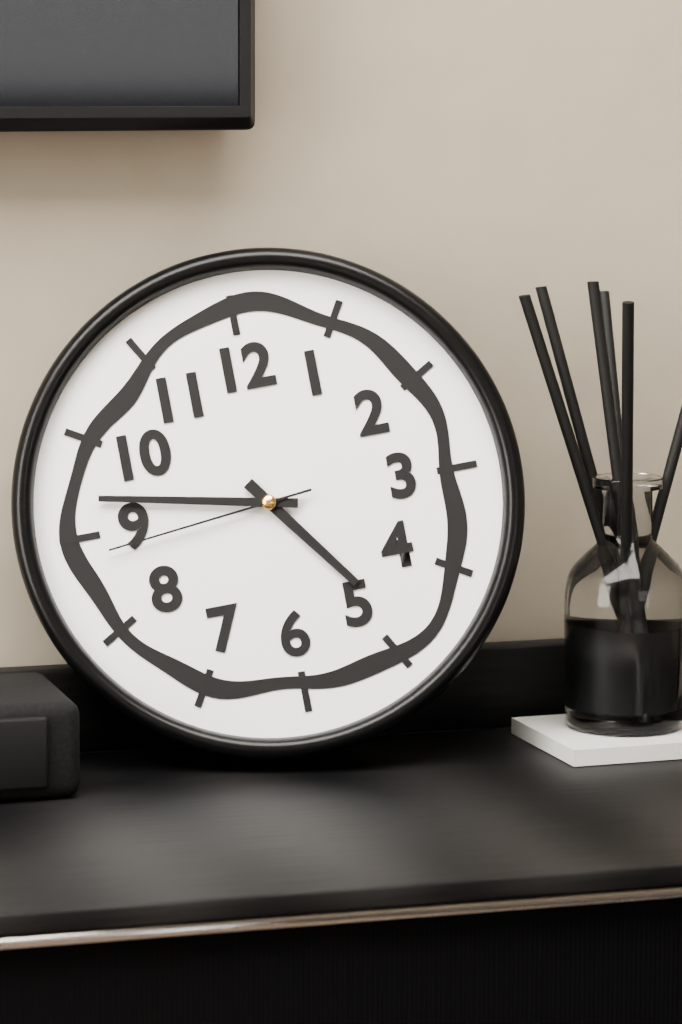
4.47.44
